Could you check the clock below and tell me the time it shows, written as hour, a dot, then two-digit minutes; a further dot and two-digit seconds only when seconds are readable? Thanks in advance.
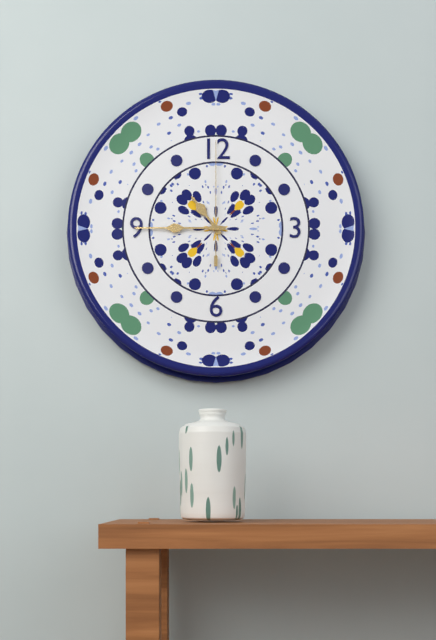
10.45.00
